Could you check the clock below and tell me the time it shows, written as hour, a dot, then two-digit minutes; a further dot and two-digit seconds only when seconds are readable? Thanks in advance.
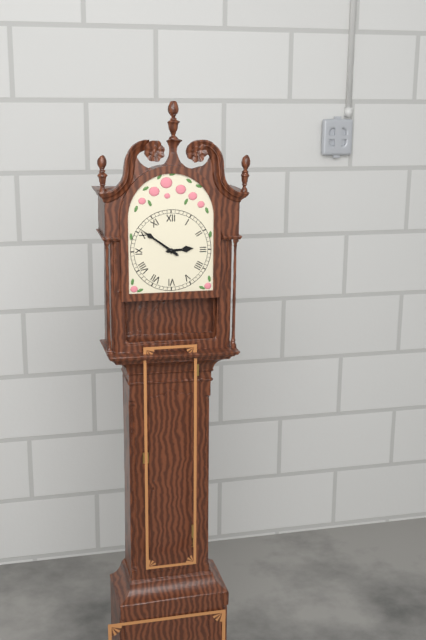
2.51
